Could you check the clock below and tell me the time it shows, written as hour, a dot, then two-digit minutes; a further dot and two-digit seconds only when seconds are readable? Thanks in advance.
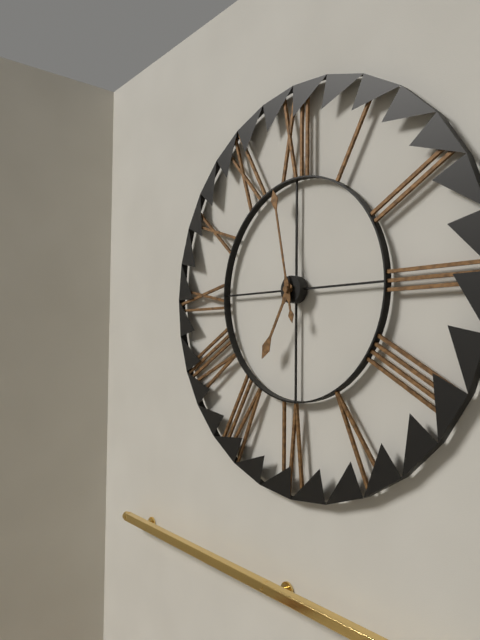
6.58
